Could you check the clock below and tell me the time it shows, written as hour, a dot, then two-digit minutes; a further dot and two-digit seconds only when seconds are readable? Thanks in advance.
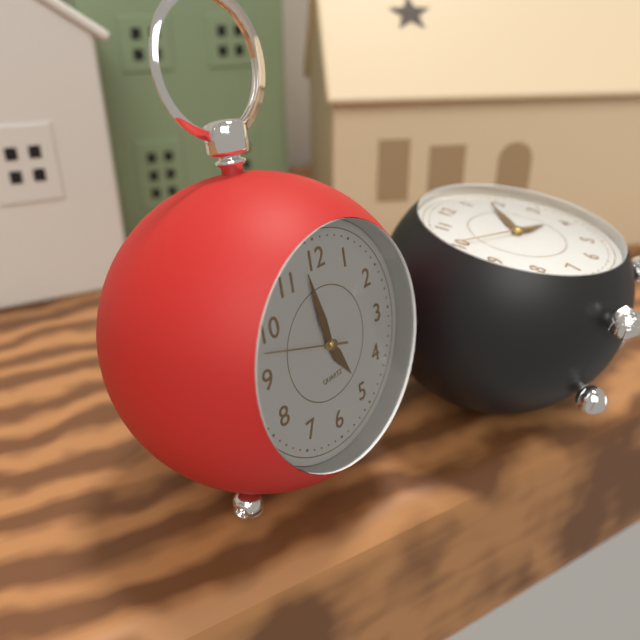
4.58.48
